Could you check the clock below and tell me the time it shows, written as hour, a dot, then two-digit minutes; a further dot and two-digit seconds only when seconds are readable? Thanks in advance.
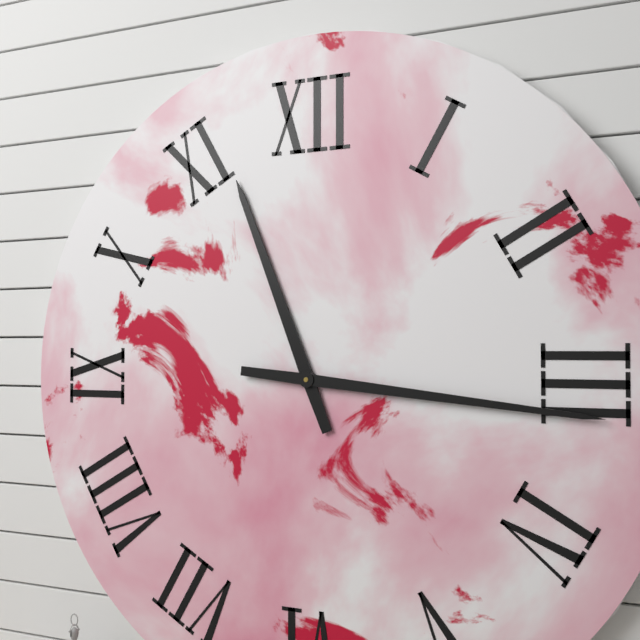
11.16
